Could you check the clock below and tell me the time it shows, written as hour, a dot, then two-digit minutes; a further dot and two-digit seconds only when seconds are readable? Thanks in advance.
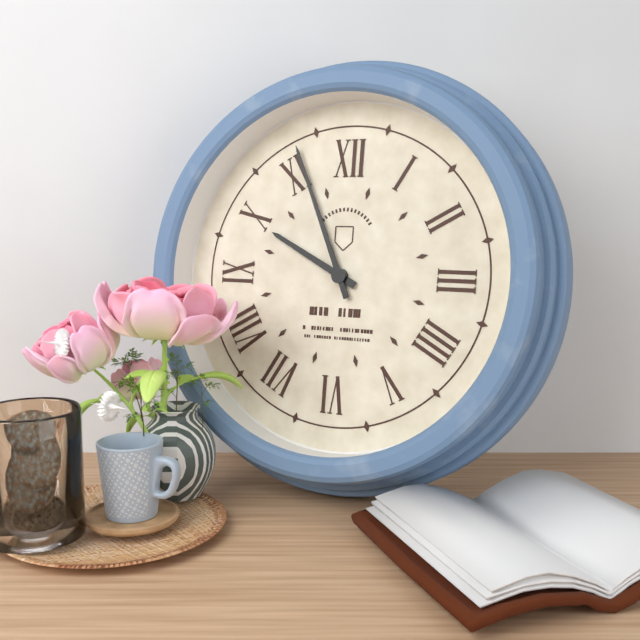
9.56
